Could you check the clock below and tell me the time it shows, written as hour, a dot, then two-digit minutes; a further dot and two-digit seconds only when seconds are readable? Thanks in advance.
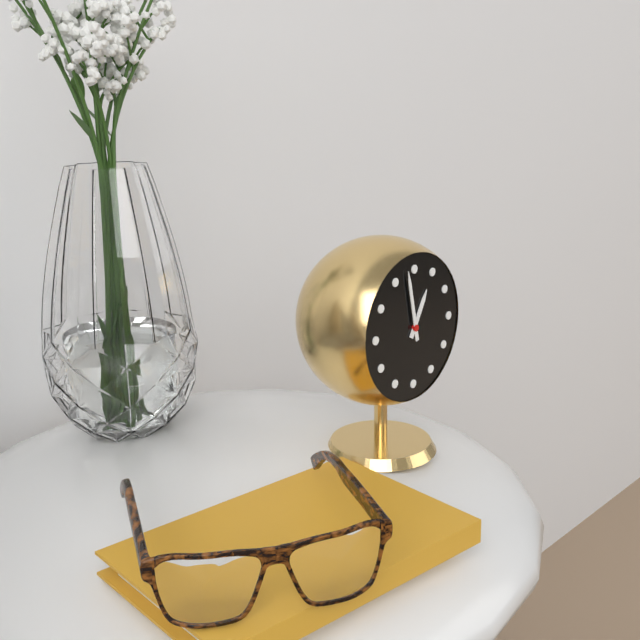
12.58
